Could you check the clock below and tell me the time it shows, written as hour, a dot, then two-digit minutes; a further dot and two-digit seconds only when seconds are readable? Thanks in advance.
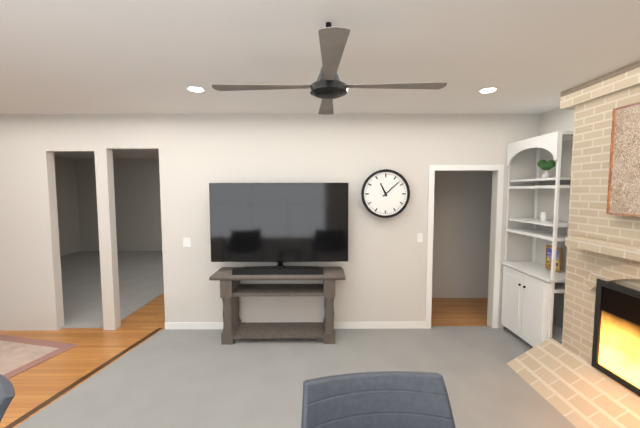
11.08
